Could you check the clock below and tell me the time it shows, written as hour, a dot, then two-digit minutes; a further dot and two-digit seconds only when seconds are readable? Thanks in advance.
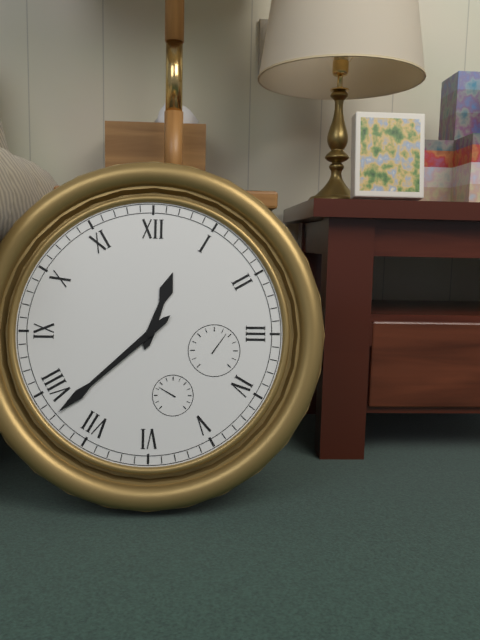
12.38
